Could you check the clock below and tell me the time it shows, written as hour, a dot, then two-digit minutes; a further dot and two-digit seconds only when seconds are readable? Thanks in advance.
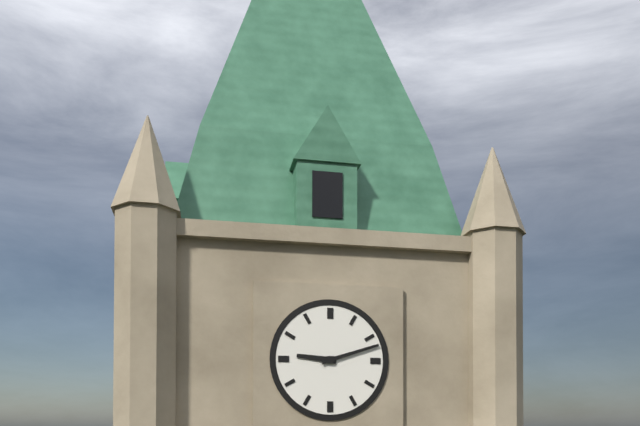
9.12
